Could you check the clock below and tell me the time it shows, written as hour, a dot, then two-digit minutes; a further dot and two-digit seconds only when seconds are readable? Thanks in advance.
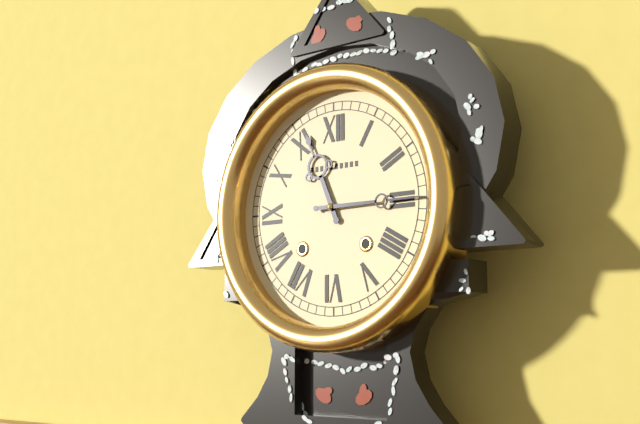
11.15
